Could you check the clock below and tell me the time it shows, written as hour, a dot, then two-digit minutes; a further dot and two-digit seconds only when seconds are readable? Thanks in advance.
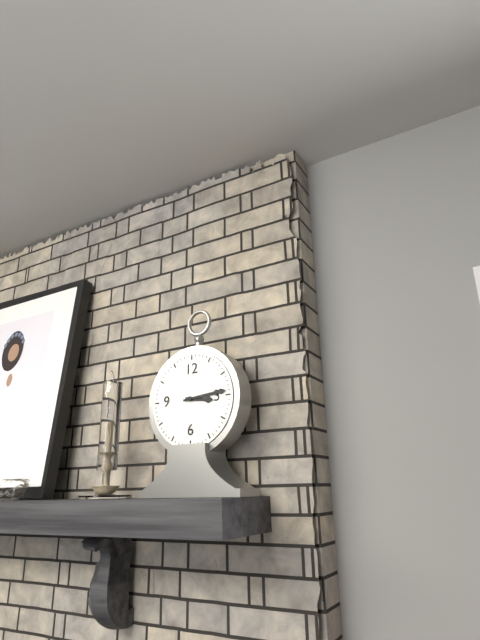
3.14
